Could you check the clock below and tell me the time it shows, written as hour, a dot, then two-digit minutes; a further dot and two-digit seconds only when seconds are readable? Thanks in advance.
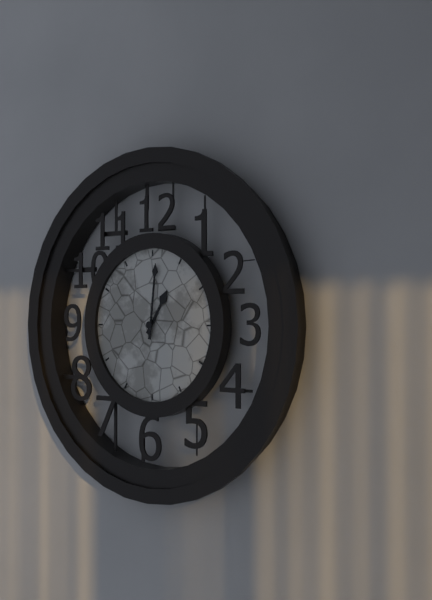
1.01
